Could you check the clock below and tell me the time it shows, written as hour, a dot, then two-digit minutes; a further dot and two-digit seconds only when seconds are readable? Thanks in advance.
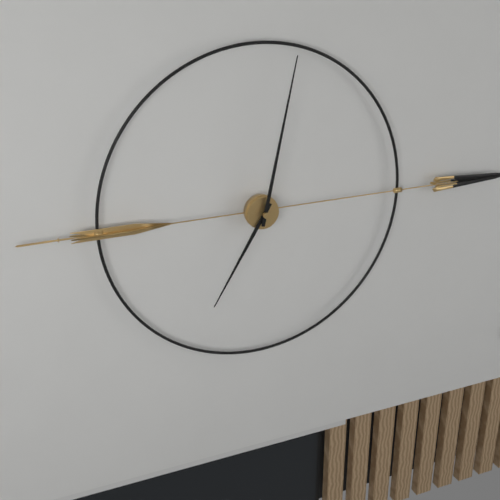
7.02
